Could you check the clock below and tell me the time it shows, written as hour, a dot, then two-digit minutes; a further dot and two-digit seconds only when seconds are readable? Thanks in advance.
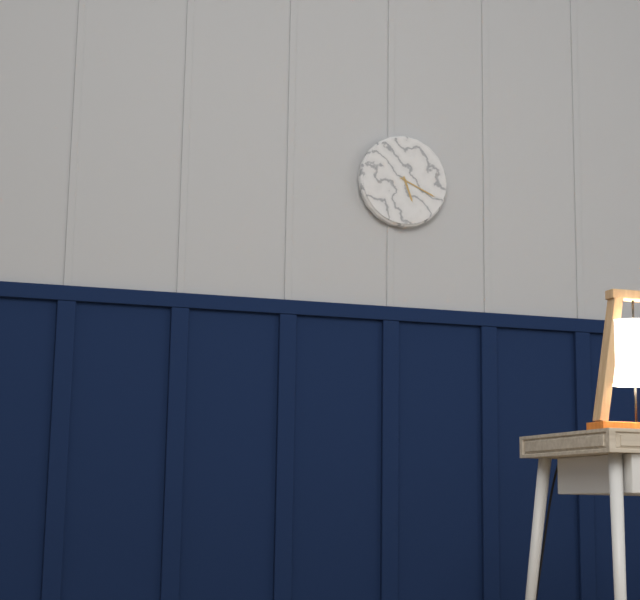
5.19
